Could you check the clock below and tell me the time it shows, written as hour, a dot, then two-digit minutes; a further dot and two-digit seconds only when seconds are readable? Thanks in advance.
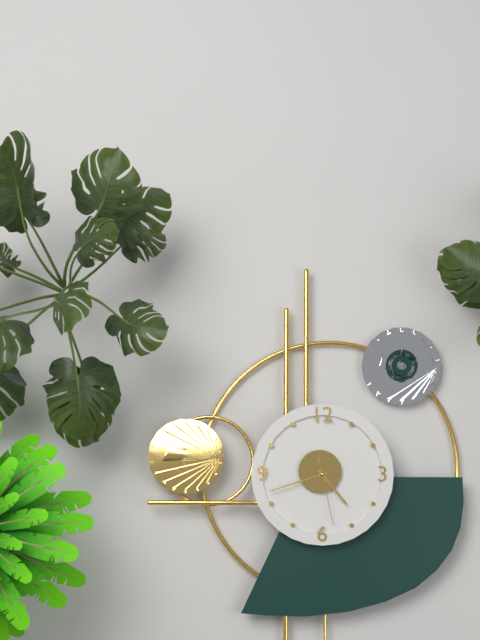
4.42.28
